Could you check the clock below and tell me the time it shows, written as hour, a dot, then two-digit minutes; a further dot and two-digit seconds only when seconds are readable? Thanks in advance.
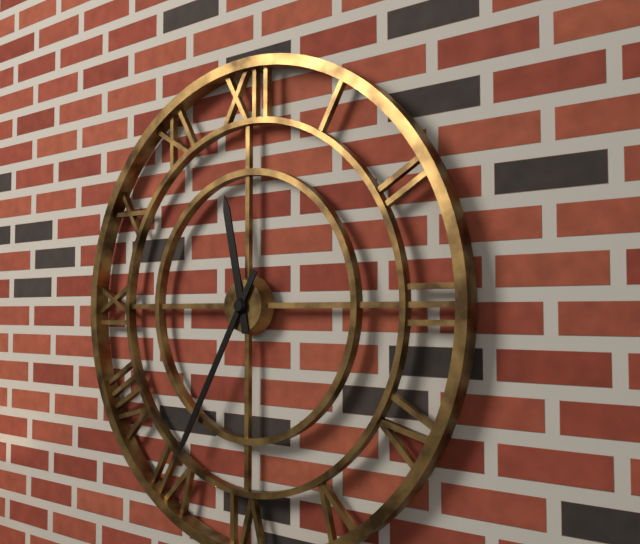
11.35
